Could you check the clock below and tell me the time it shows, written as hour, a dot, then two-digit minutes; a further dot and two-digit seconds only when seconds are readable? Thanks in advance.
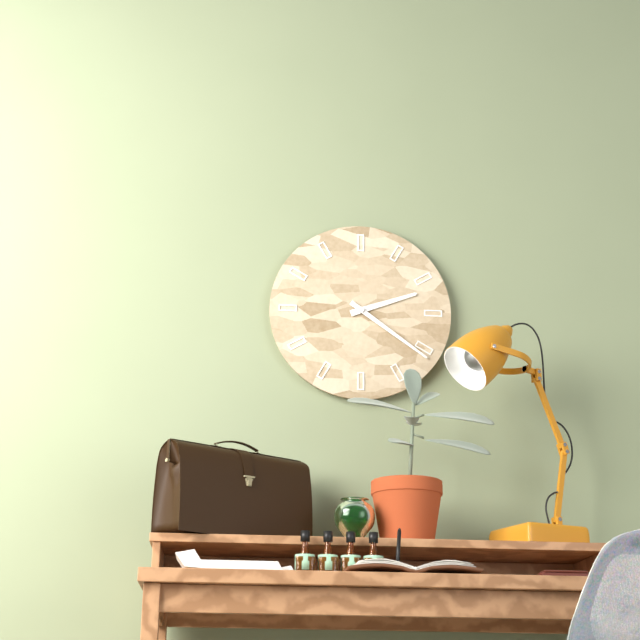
2.21
